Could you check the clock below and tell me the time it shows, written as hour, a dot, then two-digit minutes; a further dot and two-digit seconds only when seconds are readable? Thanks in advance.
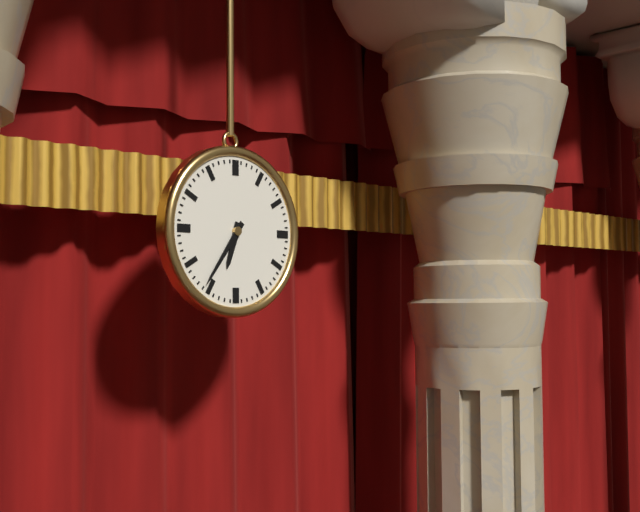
6.36
